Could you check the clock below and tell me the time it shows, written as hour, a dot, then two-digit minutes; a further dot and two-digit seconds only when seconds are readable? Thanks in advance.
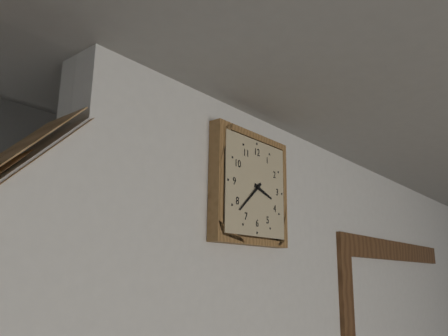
3.38
